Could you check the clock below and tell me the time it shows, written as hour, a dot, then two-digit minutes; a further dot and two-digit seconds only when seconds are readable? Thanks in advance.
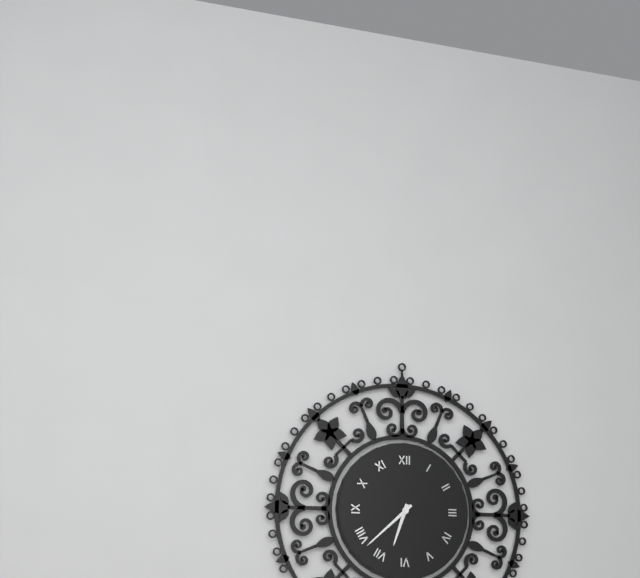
6.38
